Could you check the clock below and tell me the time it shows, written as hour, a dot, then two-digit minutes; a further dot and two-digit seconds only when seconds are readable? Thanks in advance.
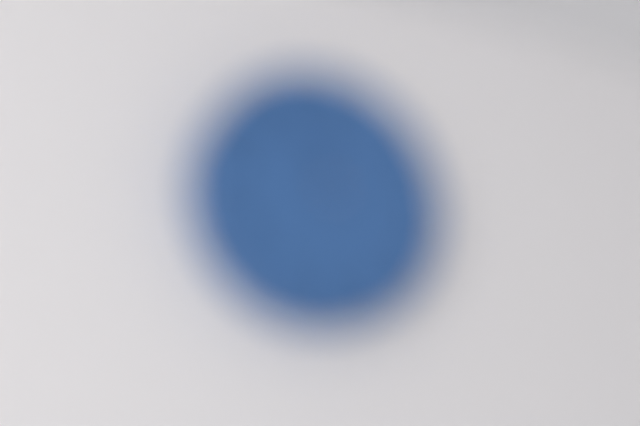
11.55
